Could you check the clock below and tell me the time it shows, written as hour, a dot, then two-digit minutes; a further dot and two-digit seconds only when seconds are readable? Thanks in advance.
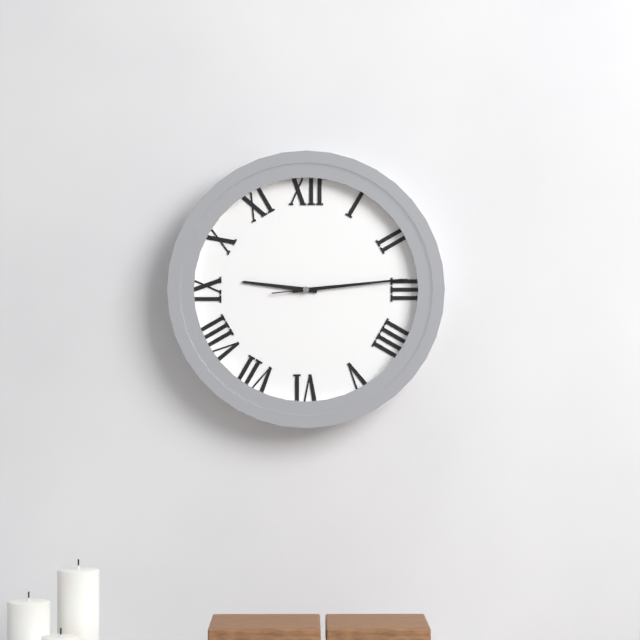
9.14.14
